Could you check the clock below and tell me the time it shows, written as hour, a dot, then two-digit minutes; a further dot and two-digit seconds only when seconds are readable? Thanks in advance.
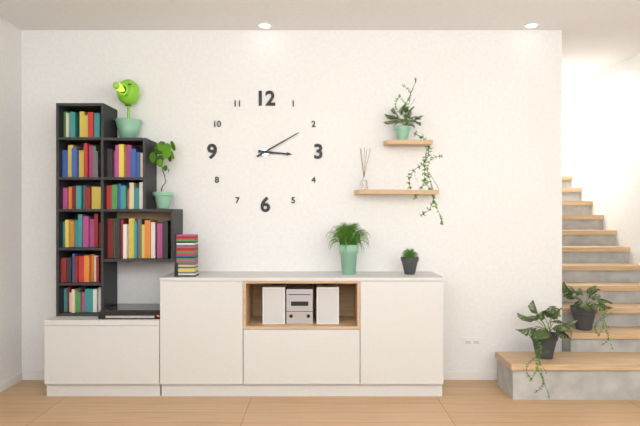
3.10
